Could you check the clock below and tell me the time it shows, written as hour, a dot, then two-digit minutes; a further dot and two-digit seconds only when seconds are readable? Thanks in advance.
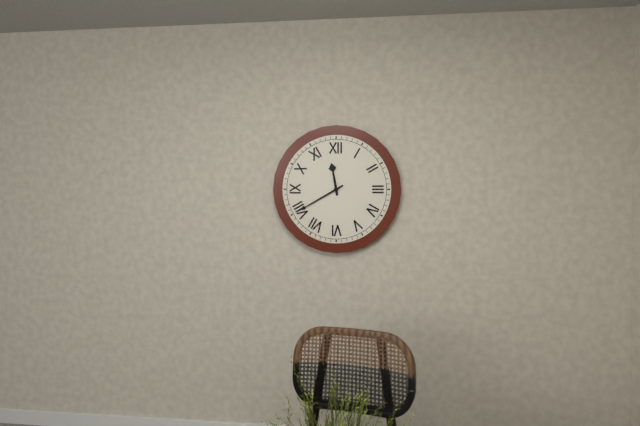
11.40
